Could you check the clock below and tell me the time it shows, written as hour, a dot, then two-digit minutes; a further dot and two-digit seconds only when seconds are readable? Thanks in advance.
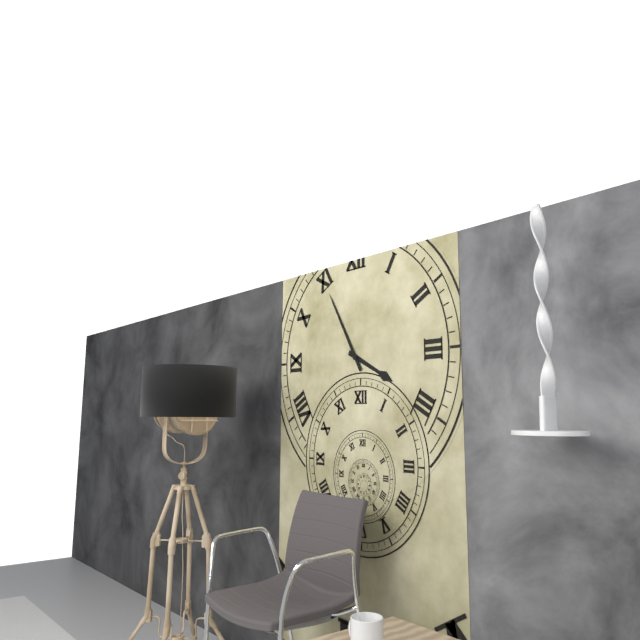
3.55
